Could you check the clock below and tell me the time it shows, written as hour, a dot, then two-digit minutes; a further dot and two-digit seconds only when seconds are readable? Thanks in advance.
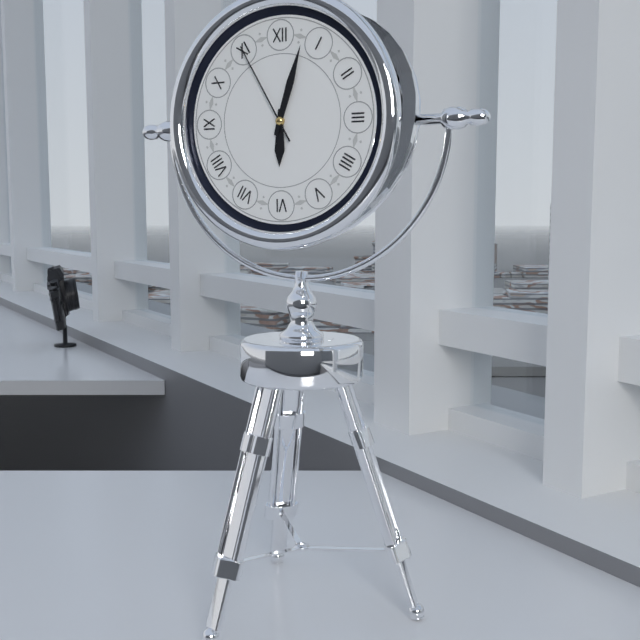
6.03.55
